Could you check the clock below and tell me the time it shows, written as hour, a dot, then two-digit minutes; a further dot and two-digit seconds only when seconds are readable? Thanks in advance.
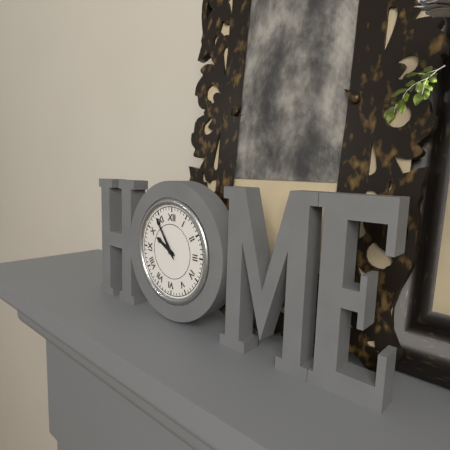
9.54
